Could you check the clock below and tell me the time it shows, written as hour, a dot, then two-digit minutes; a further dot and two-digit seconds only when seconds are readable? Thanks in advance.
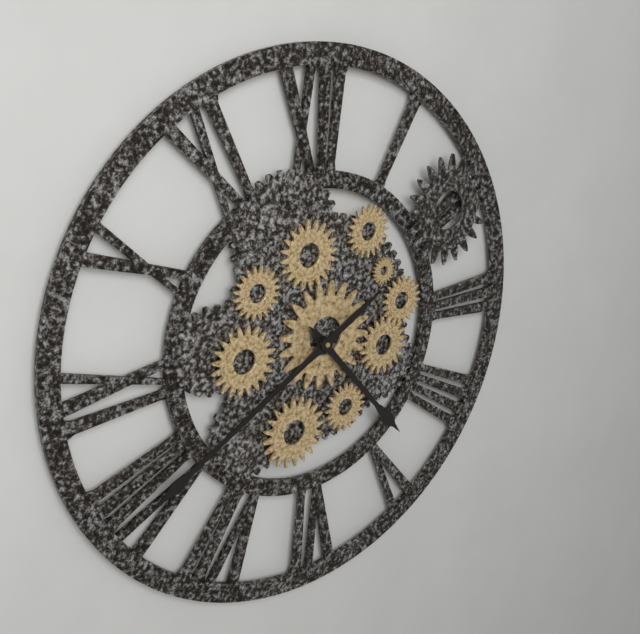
4.40
